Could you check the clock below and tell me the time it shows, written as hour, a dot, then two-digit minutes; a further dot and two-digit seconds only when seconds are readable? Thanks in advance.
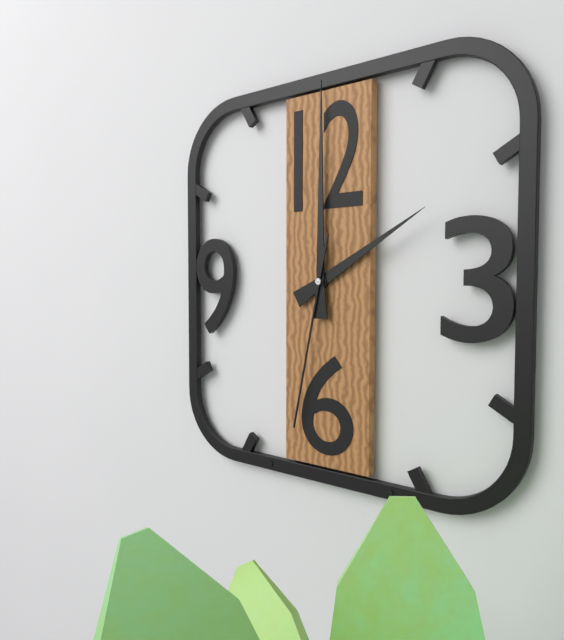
2.00.32
